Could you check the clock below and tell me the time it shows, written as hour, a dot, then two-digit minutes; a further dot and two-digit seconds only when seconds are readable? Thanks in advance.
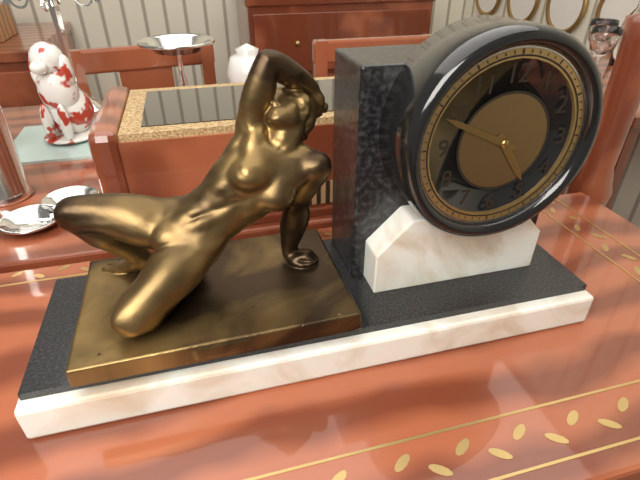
4.49
